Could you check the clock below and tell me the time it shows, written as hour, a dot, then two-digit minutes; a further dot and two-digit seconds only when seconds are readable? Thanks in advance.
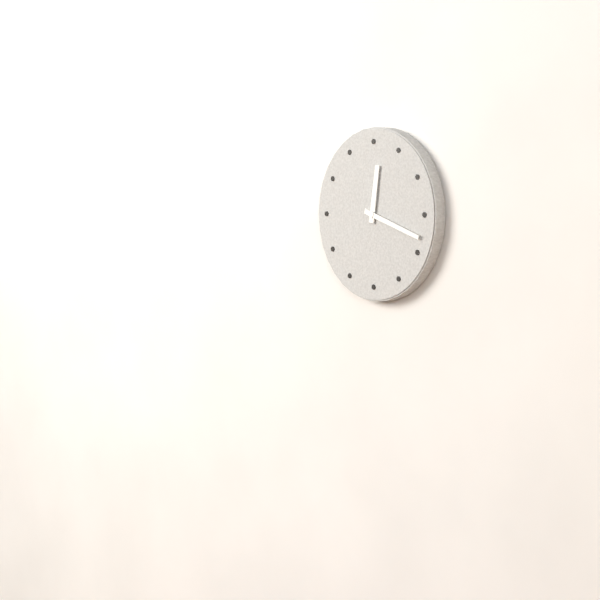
12.18
